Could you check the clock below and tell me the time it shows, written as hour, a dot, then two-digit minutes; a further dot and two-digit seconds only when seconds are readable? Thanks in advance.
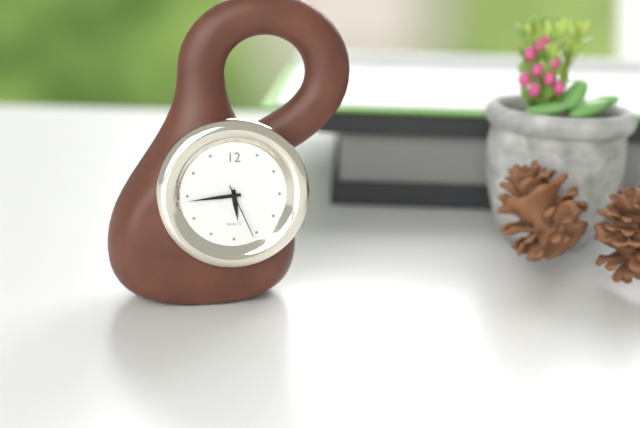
5.44.26
